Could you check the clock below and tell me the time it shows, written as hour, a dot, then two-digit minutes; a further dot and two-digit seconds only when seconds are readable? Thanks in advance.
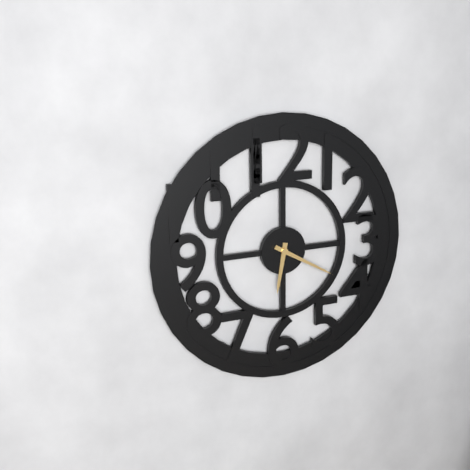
6.20
